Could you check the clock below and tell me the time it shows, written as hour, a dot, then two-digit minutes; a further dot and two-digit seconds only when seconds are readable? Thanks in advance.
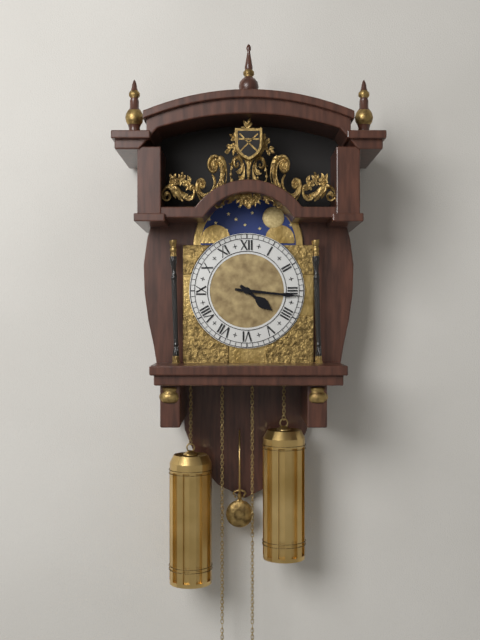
4.16
